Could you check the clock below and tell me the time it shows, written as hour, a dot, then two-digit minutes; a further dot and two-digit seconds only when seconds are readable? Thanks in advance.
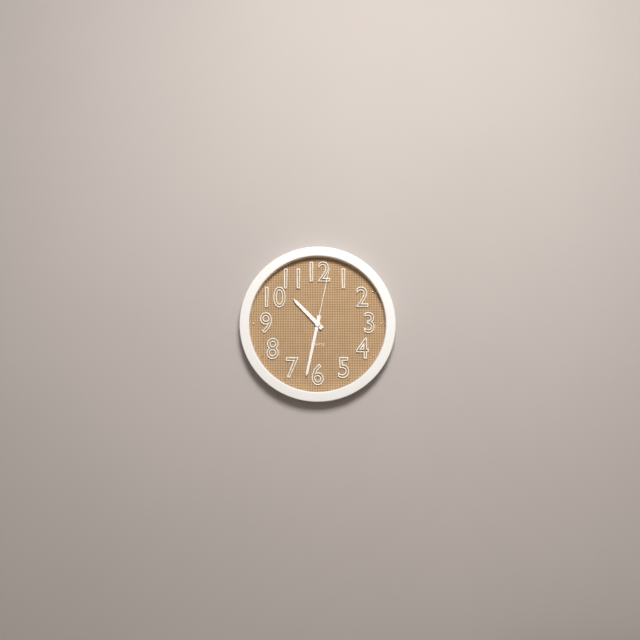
10.32.02
